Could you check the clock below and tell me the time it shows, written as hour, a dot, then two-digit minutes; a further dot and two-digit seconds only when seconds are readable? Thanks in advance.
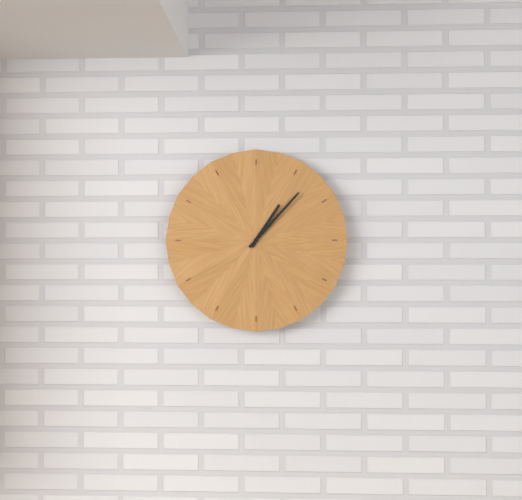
1.07
